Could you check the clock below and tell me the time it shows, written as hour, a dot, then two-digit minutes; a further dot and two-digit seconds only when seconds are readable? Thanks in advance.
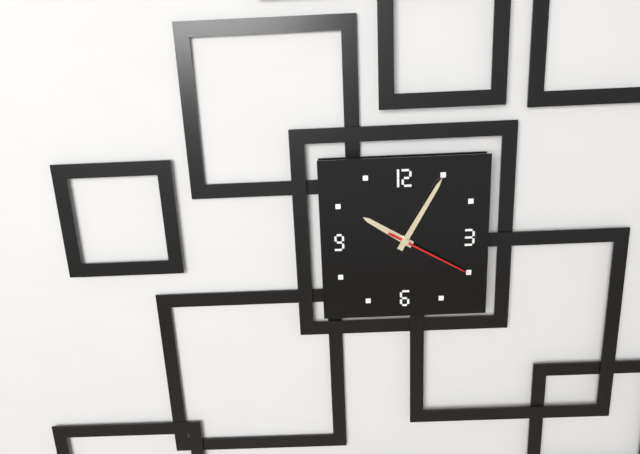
10.05.20
